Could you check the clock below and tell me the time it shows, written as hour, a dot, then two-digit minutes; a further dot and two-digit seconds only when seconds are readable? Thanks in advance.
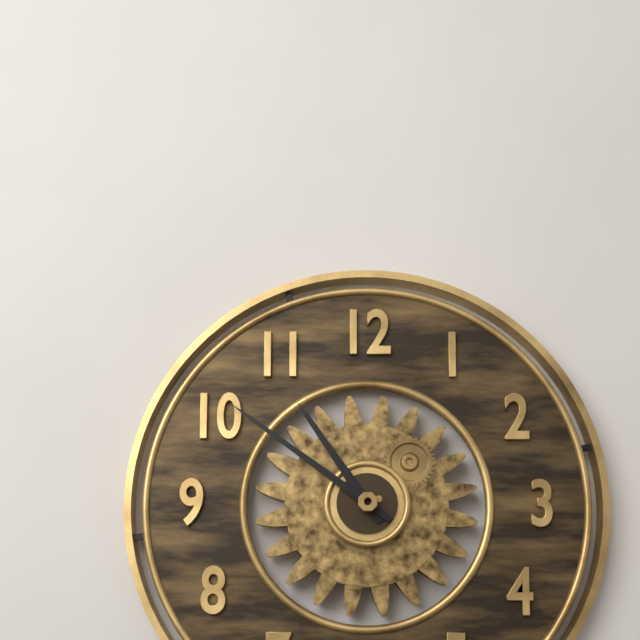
10.51
